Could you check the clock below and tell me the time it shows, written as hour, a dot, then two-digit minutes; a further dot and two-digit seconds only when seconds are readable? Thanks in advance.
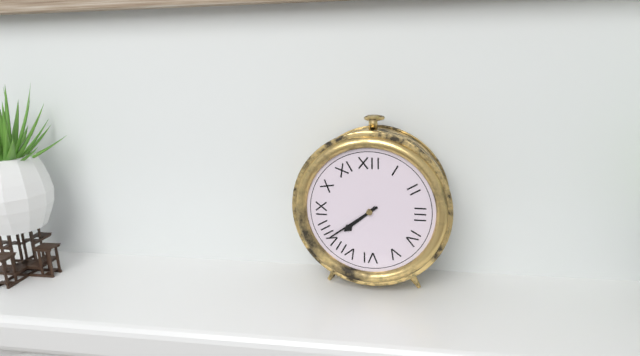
7.39
